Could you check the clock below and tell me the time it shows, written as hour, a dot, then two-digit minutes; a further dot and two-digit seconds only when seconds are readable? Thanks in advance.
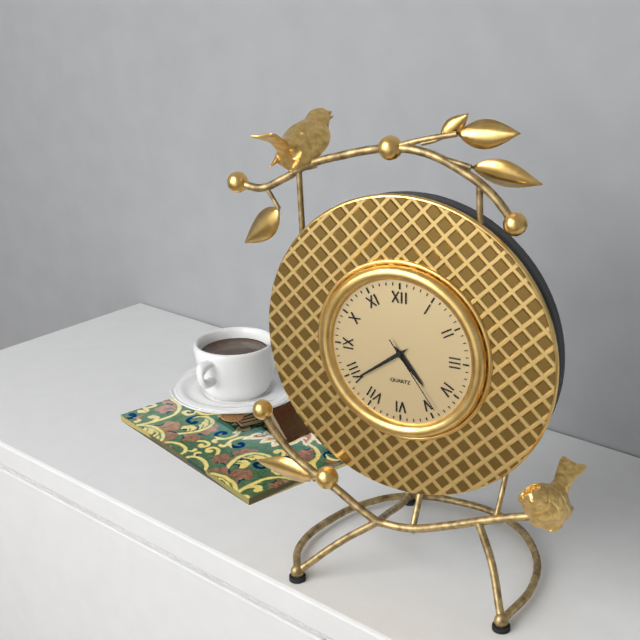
4.39.24
